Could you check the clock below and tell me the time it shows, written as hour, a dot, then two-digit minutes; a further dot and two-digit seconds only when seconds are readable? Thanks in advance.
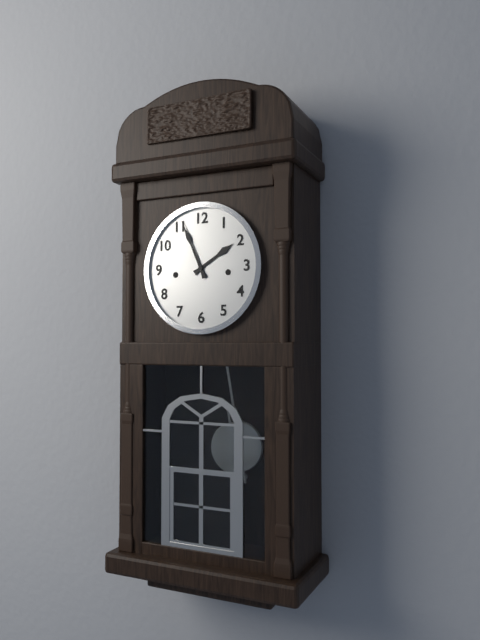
1.56
